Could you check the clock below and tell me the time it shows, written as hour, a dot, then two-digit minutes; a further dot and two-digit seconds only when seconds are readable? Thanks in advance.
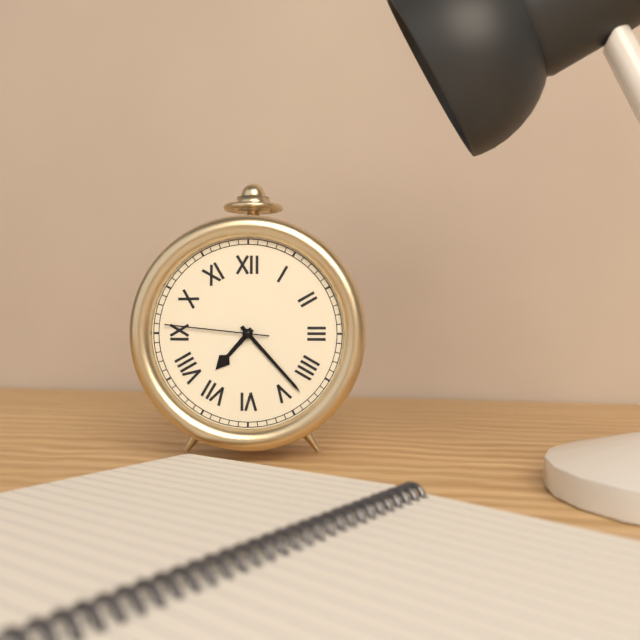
7.23.46
